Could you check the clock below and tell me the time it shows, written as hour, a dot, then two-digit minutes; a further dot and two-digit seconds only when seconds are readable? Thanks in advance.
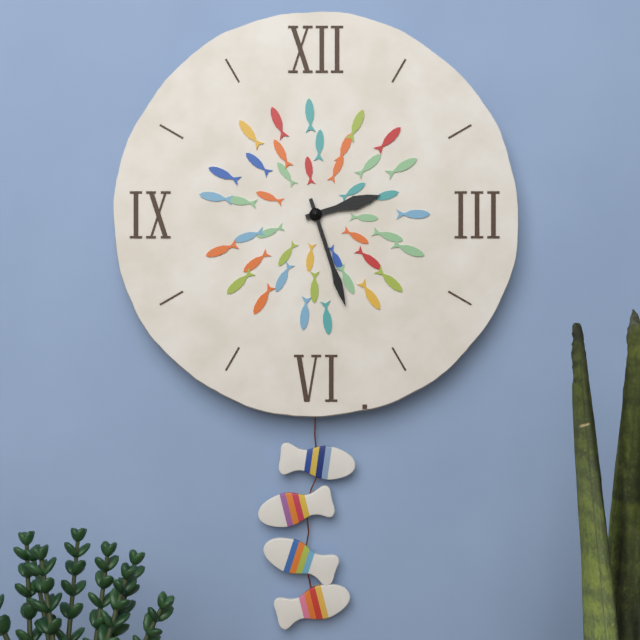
2.27
